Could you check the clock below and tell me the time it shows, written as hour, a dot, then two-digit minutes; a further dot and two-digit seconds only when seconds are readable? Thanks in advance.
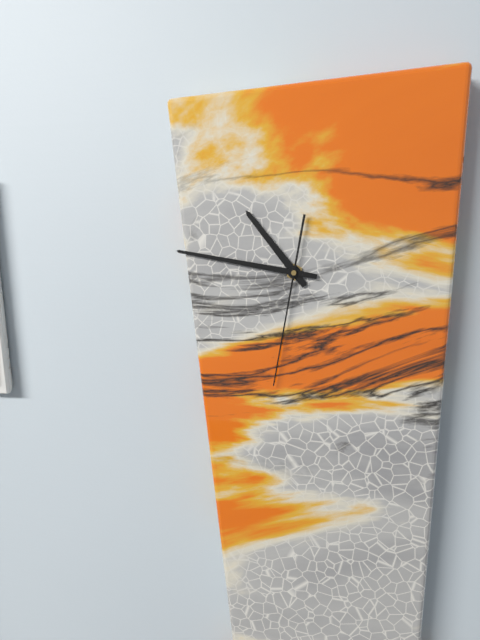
10.47.32
